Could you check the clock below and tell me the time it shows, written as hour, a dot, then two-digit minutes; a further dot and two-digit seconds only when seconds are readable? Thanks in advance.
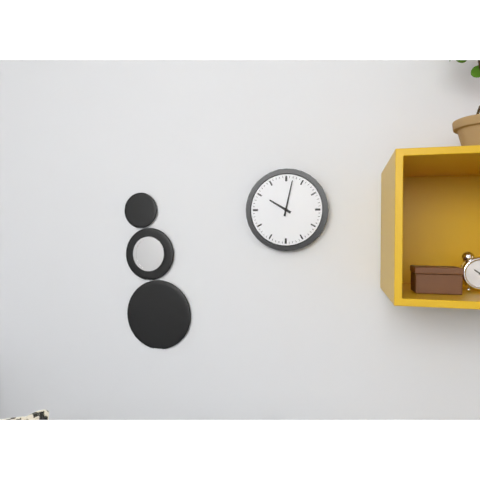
10.02
